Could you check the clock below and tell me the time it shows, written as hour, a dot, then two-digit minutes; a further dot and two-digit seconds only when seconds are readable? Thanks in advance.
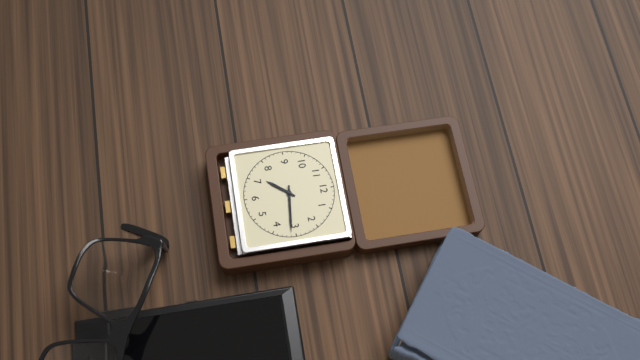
7.16
